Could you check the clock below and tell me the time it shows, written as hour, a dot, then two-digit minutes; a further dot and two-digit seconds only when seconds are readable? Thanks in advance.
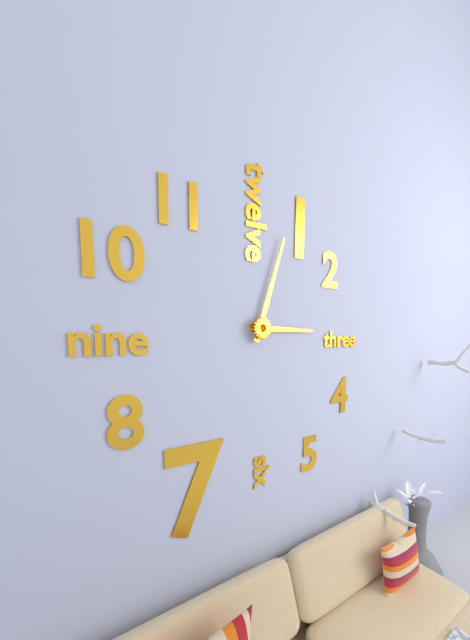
3.03
